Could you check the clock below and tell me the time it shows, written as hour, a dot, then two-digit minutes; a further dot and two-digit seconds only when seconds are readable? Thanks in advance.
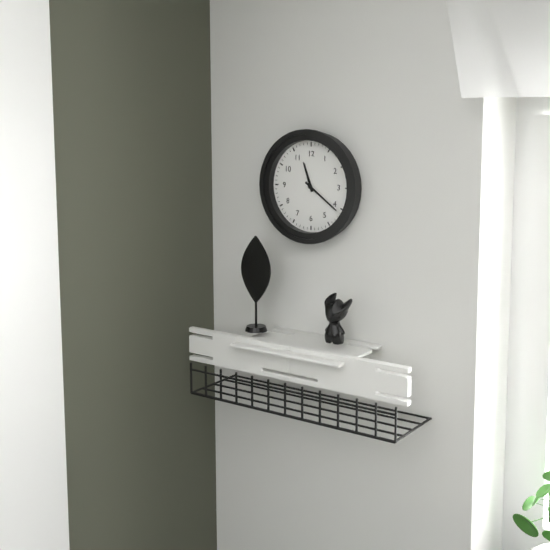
11.21
